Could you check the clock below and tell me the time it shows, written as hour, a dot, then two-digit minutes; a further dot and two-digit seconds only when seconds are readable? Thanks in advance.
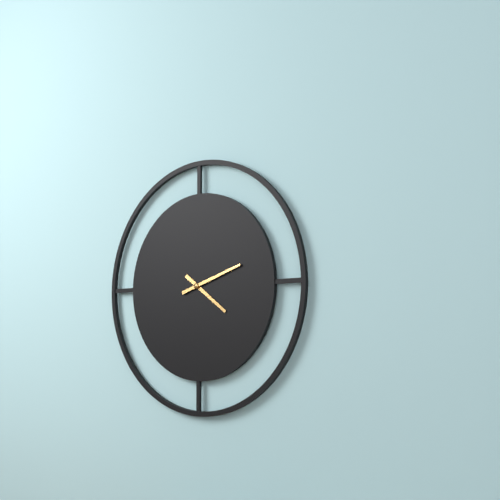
4.12
